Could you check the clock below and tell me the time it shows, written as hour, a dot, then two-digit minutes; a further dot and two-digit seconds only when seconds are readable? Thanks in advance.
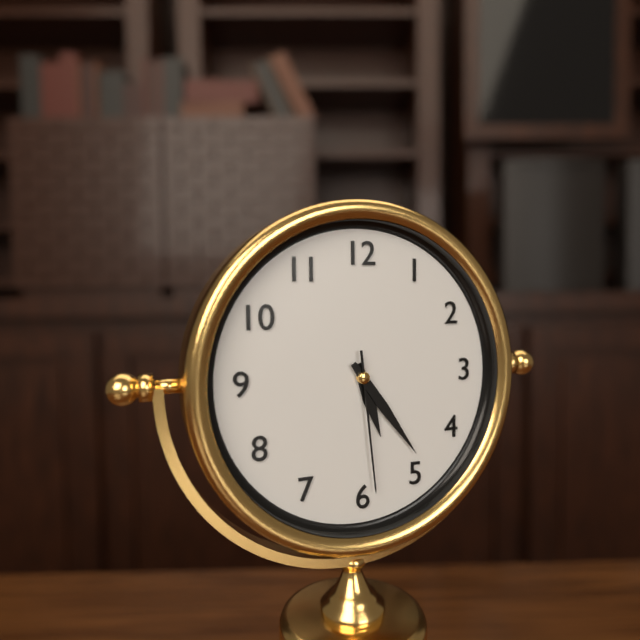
5.24.29
